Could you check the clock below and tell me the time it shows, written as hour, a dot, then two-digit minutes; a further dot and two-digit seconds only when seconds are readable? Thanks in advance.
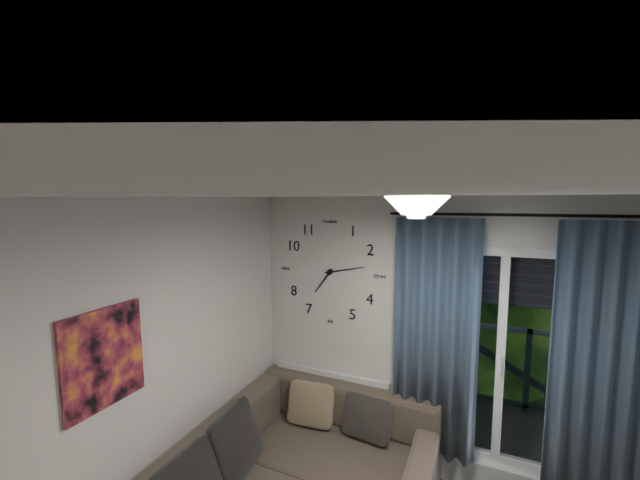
7.13
